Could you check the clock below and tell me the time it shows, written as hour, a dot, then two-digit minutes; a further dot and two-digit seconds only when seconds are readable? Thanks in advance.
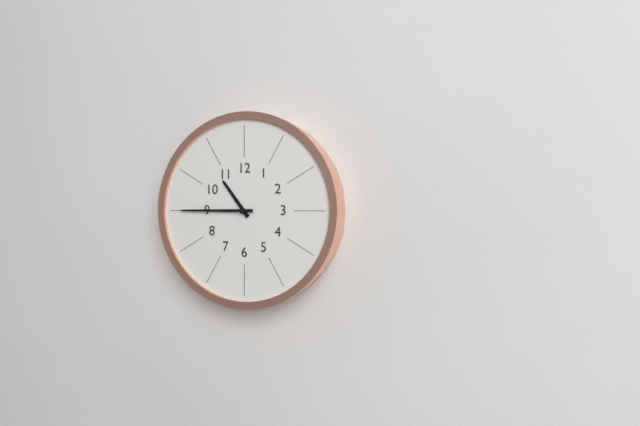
10.45
